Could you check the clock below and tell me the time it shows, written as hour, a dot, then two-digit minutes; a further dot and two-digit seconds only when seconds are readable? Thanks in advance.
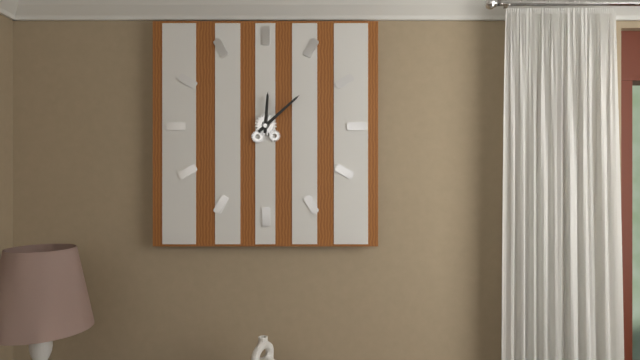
12.08
